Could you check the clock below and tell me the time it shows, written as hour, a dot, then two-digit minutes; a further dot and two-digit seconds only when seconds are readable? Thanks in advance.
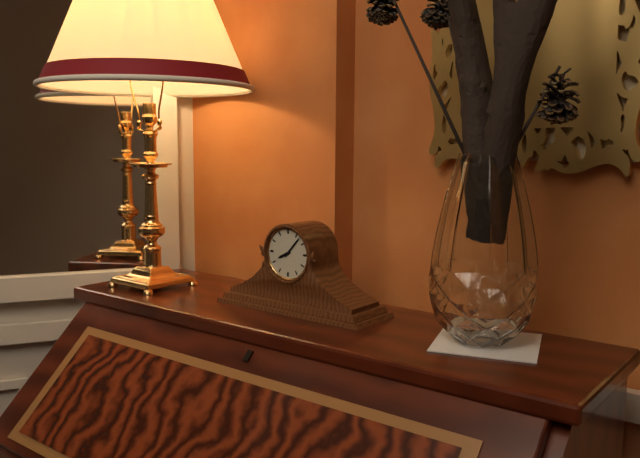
8.07
